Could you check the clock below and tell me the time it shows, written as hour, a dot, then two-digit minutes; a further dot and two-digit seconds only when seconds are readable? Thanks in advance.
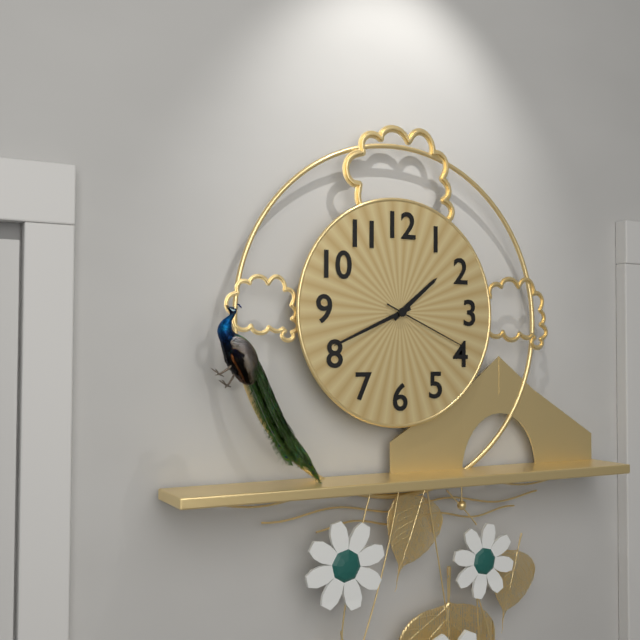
1.41.19
